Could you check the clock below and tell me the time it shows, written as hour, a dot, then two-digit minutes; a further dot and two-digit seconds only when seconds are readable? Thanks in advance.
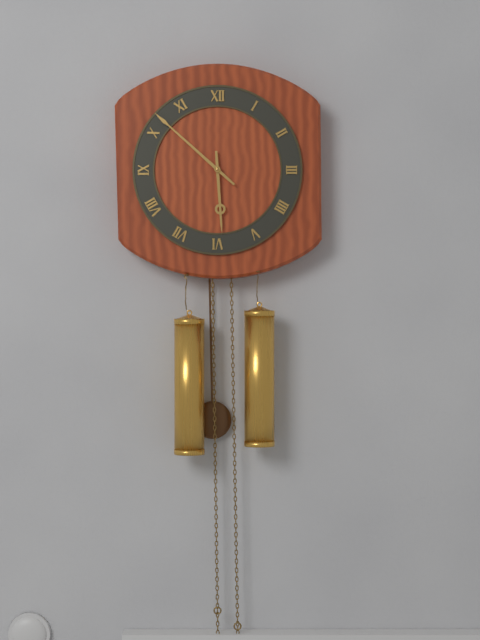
5.52
